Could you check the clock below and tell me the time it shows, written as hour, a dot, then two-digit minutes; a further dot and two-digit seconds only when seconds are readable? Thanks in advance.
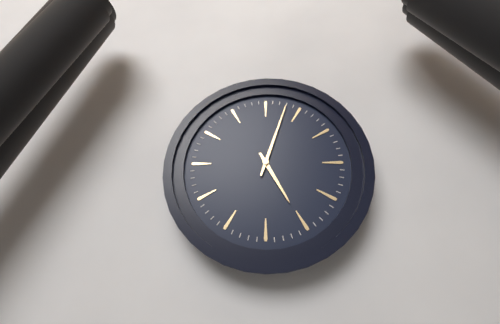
5.03
